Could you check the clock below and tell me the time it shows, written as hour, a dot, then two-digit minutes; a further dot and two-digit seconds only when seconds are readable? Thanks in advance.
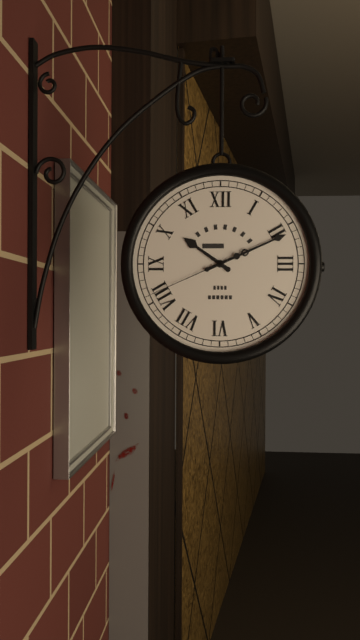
10.11.41
